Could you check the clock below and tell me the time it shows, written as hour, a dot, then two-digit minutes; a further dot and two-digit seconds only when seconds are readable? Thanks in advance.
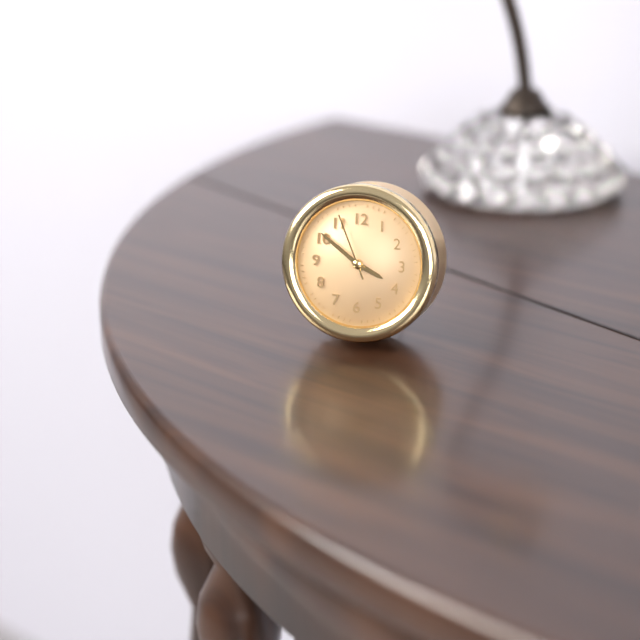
3.51.56
